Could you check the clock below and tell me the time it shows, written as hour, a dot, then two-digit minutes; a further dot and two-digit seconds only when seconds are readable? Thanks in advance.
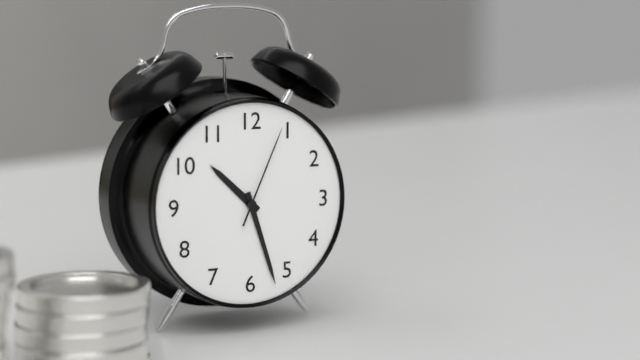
10.27.04
